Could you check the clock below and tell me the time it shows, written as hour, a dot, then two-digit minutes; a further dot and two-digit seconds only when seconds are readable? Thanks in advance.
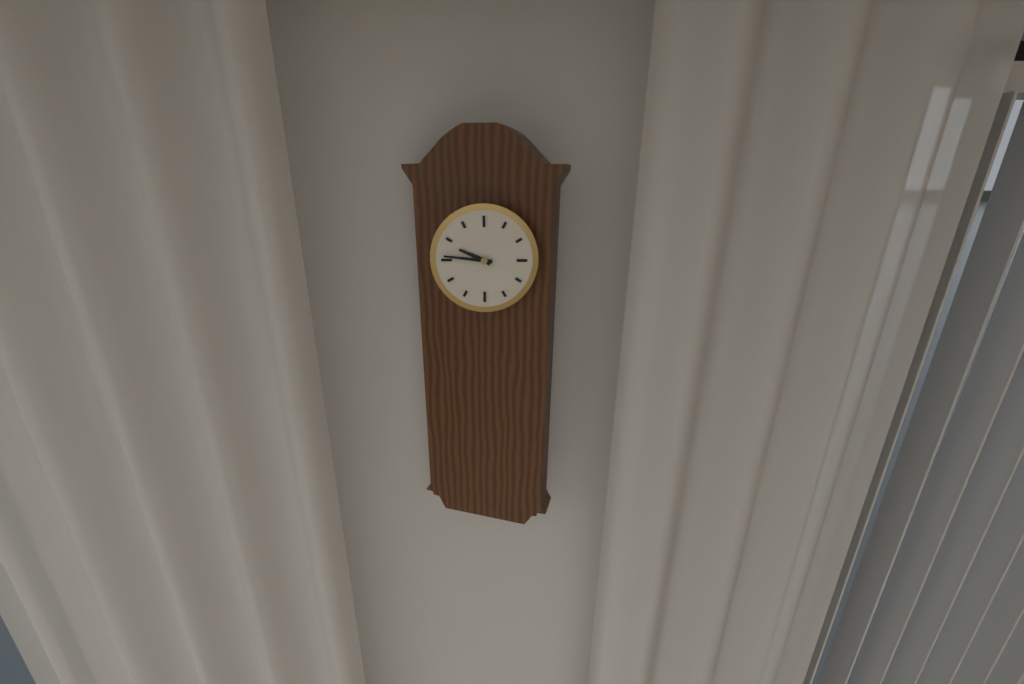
9.46
